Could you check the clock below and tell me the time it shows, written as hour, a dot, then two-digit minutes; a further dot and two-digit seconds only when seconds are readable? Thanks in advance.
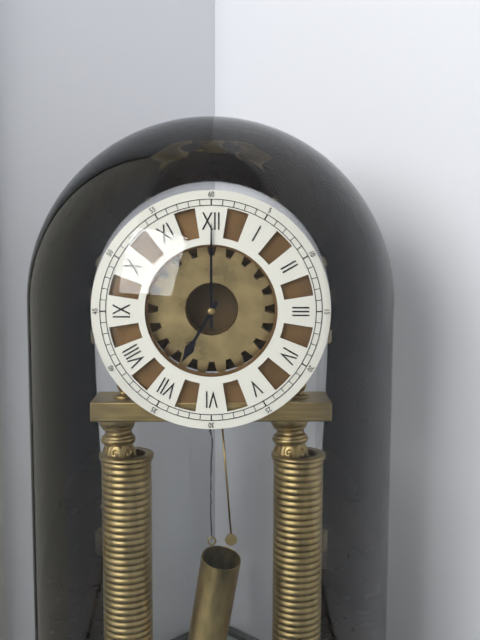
7.00
